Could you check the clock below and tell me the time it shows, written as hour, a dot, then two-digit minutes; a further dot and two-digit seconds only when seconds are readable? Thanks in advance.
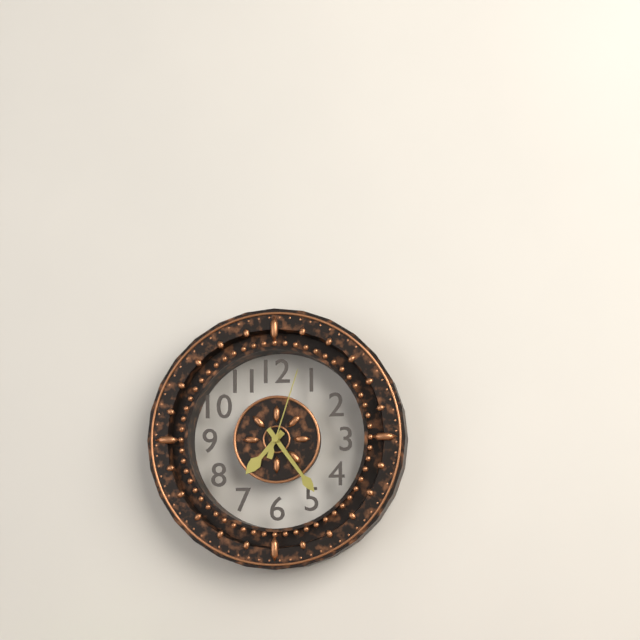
7.24.03
